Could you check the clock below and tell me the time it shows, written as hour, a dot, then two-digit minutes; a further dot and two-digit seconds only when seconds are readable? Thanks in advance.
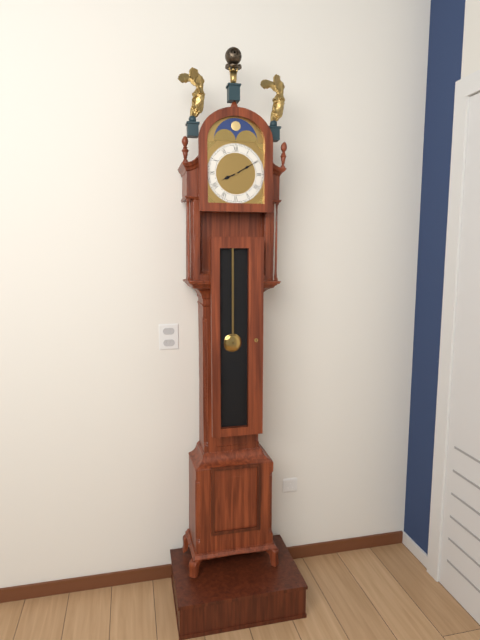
8.10
